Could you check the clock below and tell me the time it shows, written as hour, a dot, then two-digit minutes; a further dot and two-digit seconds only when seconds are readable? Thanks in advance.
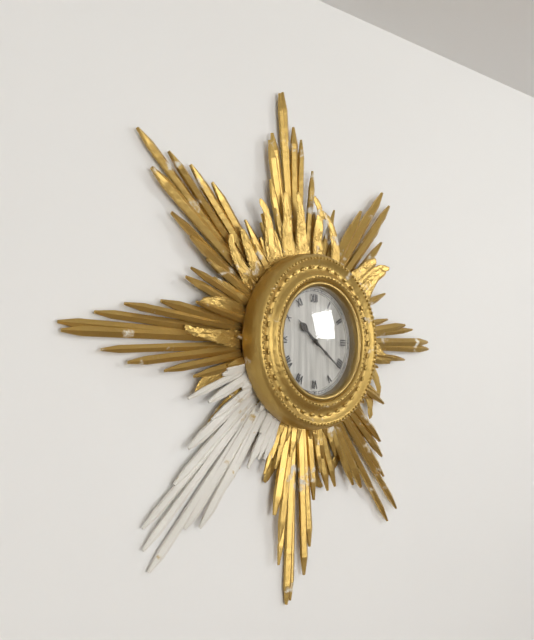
10.21
